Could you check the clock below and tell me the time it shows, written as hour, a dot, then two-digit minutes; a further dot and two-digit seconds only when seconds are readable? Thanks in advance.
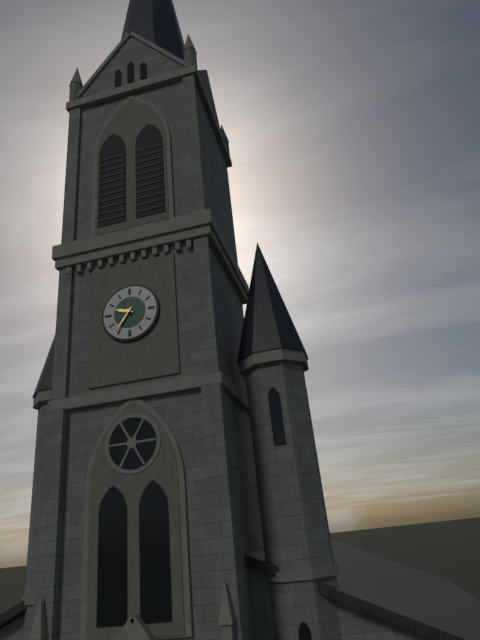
9.36
